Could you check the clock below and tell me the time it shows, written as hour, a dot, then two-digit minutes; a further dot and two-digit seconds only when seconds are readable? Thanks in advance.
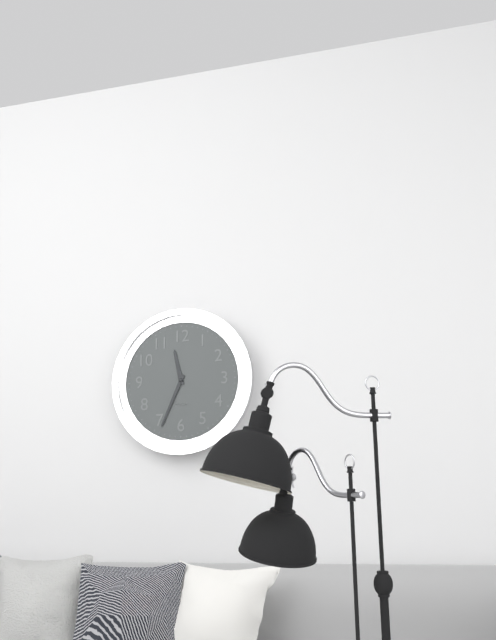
11.34
